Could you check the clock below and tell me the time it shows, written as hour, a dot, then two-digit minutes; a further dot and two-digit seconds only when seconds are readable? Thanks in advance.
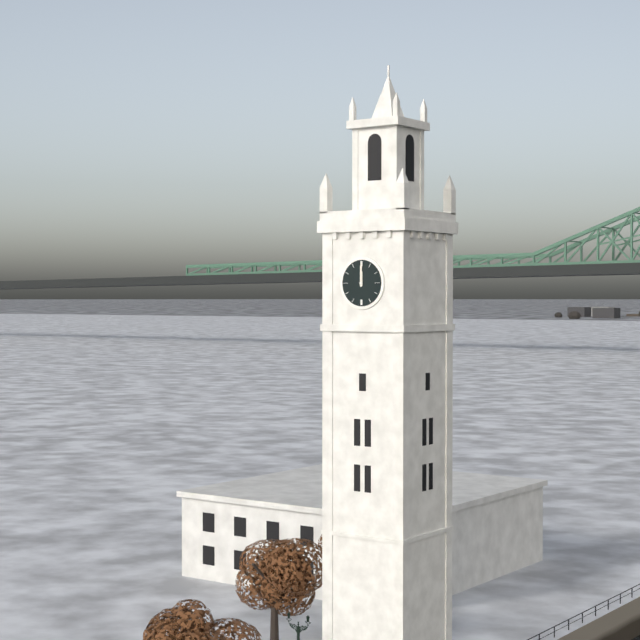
12.00
